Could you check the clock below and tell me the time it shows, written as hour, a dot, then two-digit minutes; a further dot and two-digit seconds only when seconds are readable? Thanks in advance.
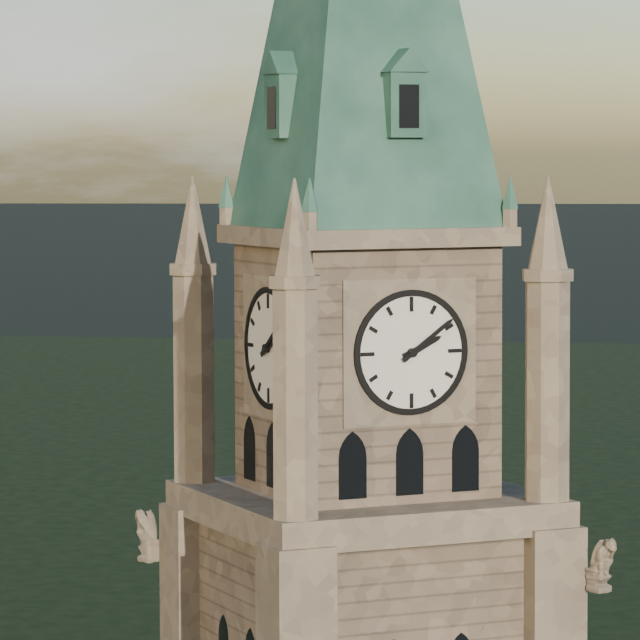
2.09
